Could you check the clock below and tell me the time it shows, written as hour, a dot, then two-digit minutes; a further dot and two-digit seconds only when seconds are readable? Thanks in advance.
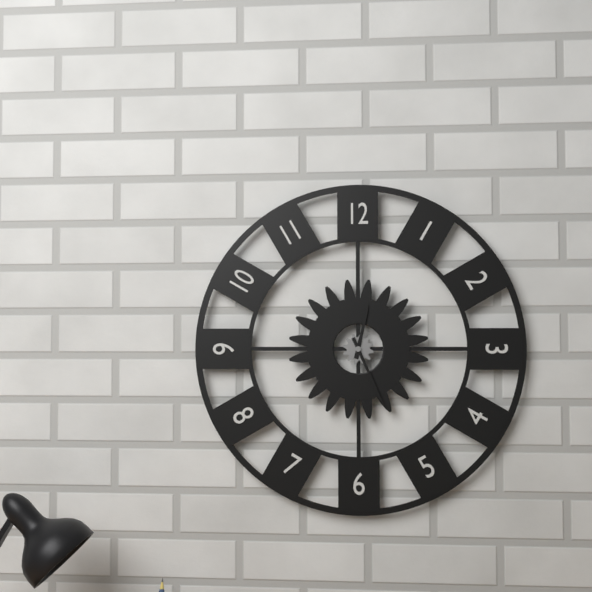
12.26
